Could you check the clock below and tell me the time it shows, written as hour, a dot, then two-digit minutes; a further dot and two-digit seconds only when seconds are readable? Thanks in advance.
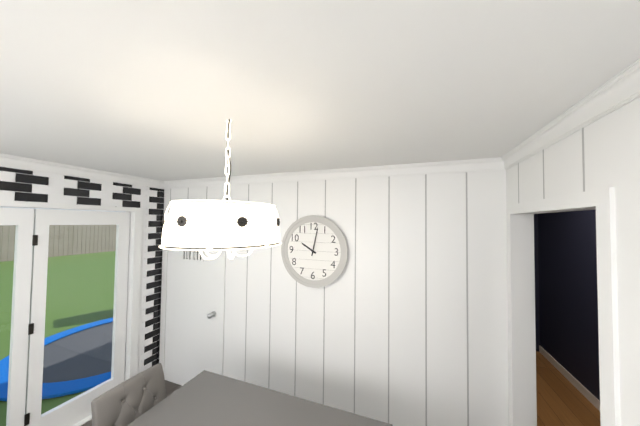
10.02
